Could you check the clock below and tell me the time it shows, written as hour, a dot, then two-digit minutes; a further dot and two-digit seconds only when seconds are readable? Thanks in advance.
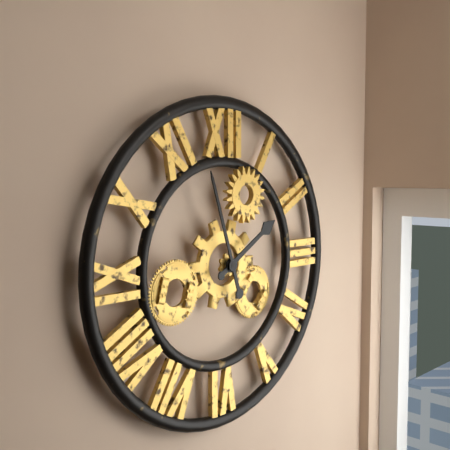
1.57
